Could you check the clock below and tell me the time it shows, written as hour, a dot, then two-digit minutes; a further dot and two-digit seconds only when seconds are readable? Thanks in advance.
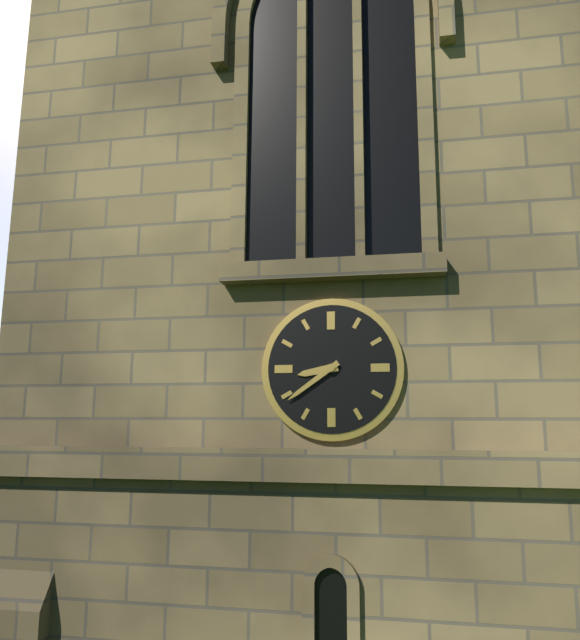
8.39
